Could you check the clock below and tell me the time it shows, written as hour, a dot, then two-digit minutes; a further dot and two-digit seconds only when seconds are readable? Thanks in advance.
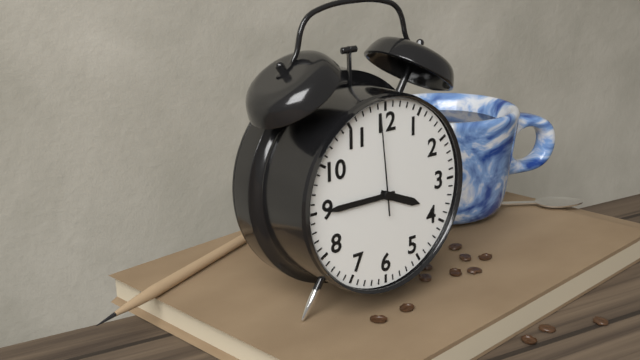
3.45.59
